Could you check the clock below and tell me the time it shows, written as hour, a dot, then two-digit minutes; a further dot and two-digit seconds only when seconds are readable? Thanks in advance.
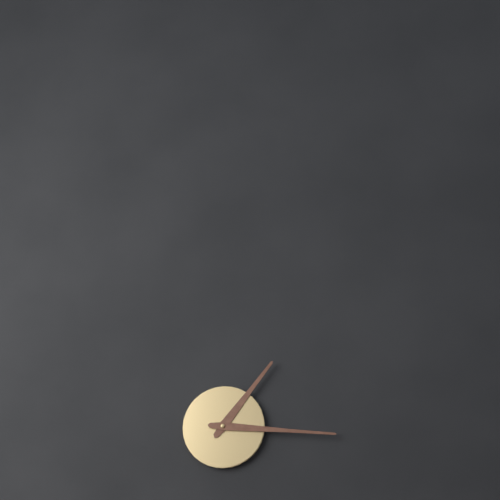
1.16
